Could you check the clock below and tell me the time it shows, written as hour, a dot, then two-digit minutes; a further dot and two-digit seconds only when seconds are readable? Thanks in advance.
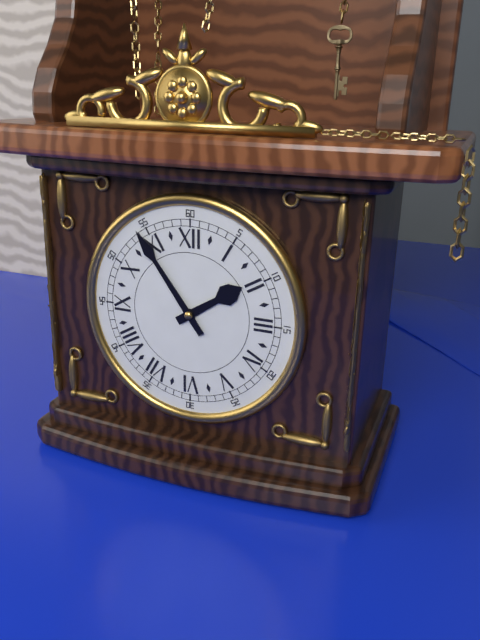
1.54
